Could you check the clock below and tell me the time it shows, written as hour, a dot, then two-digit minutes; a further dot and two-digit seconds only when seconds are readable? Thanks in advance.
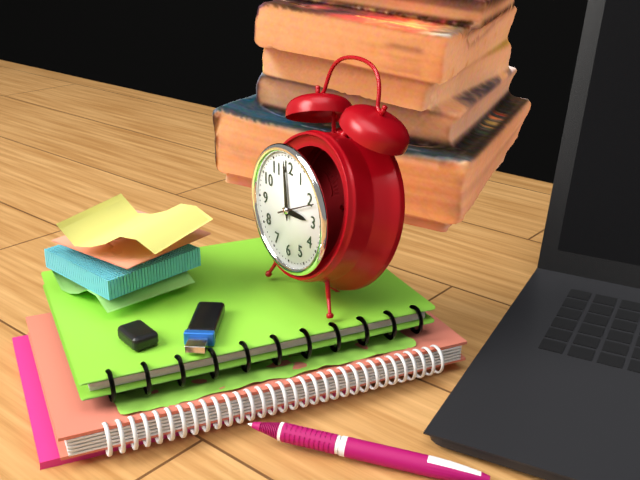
2.59
